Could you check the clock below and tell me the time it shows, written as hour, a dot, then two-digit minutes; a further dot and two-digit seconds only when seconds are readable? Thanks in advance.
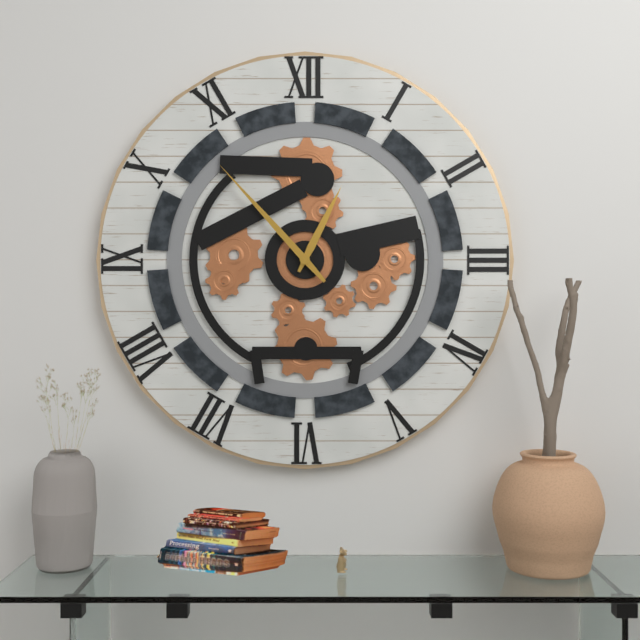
12.53
